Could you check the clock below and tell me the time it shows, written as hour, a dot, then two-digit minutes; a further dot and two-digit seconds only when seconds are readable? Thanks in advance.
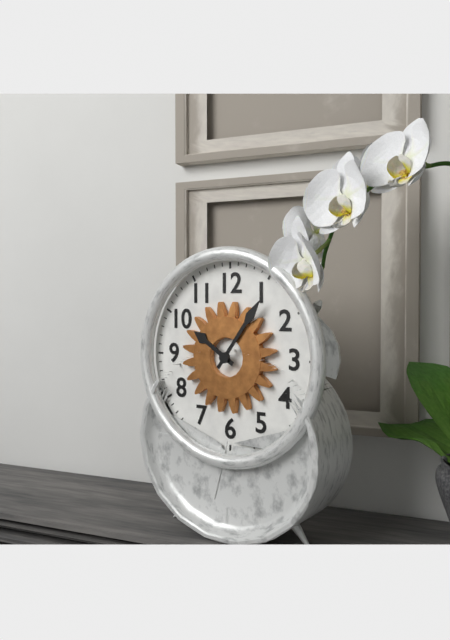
10.06
